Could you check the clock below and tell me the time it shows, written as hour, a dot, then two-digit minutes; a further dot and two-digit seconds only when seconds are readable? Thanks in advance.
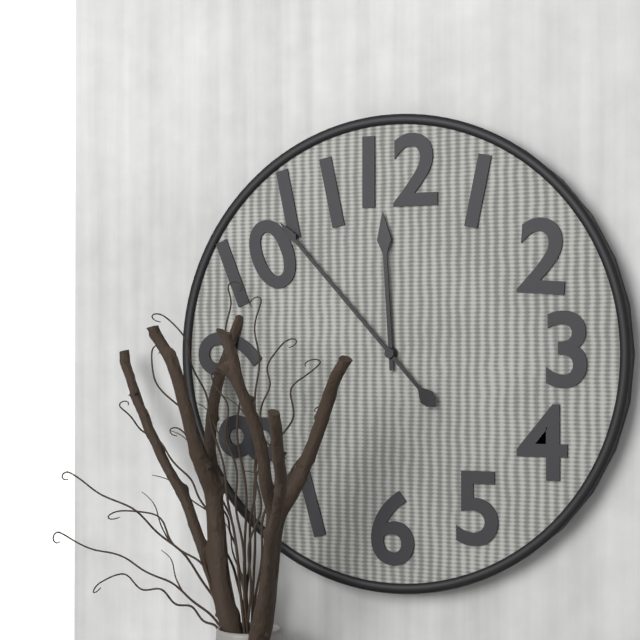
11.53
